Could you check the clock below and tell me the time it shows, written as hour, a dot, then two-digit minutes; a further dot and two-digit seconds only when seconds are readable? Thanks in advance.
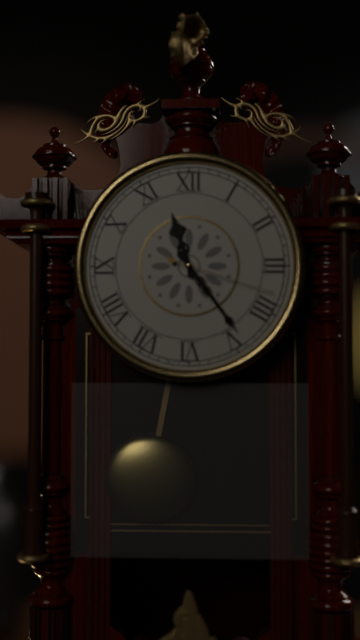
11.24.18
